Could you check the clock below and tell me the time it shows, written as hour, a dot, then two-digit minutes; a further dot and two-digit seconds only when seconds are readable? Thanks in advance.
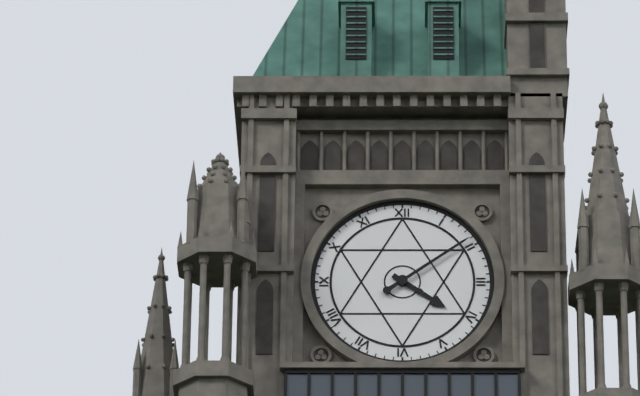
4.09
